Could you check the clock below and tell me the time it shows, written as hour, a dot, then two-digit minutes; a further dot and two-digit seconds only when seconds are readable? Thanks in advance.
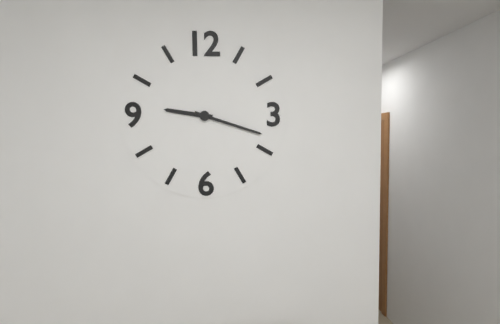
9.18
